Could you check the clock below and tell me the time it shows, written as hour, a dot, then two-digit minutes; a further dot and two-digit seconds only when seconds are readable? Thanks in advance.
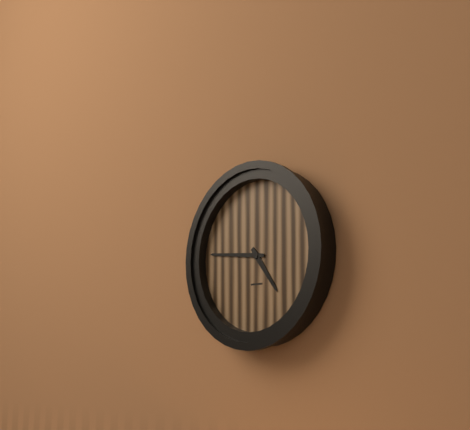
4.46
